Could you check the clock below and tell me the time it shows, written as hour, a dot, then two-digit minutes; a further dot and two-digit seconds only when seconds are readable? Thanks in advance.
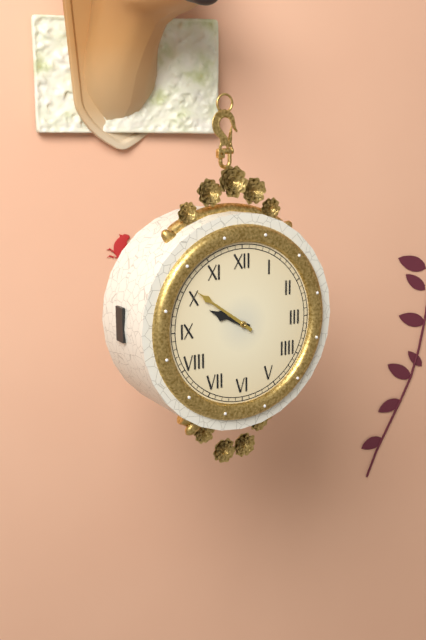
9.51
